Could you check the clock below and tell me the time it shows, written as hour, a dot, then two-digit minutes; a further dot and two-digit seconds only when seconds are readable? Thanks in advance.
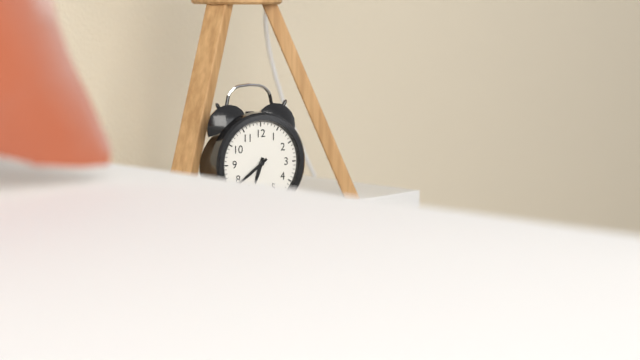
6.39
